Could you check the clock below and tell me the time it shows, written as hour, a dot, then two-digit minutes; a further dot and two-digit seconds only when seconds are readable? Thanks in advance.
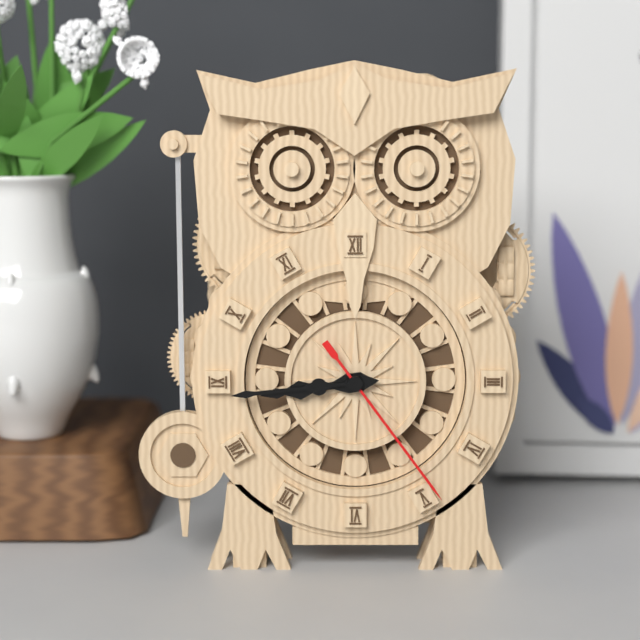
8.44.24
